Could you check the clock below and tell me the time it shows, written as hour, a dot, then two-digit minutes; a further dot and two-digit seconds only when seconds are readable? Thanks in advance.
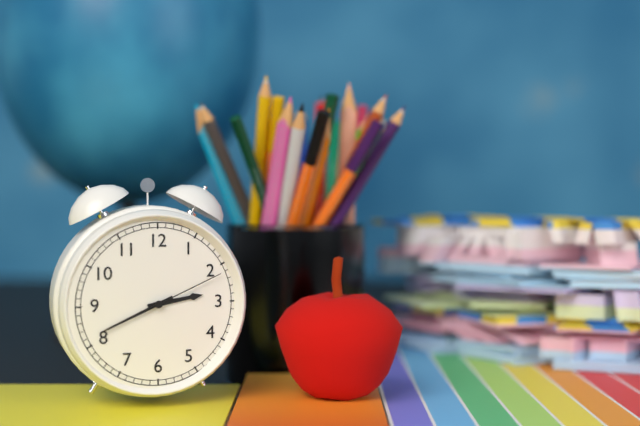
2.41.11
